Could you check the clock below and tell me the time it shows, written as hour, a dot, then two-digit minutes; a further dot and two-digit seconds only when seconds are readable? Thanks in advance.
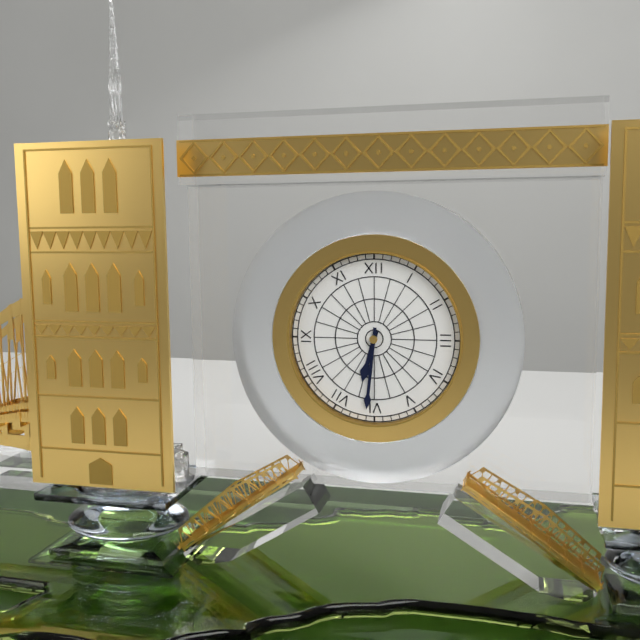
6.31
